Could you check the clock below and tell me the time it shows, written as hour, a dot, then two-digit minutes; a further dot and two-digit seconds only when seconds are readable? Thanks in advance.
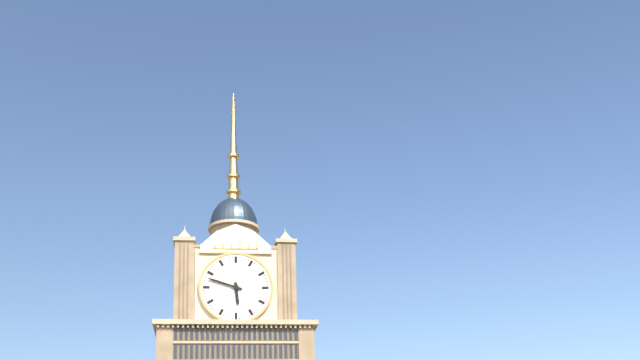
5.48
